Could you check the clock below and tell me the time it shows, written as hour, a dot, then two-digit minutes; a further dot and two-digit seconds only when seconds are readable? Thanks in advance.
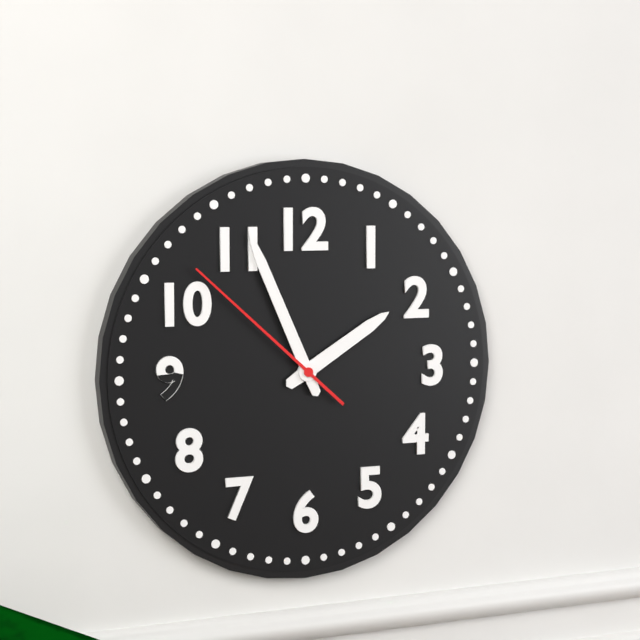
1.56.52
